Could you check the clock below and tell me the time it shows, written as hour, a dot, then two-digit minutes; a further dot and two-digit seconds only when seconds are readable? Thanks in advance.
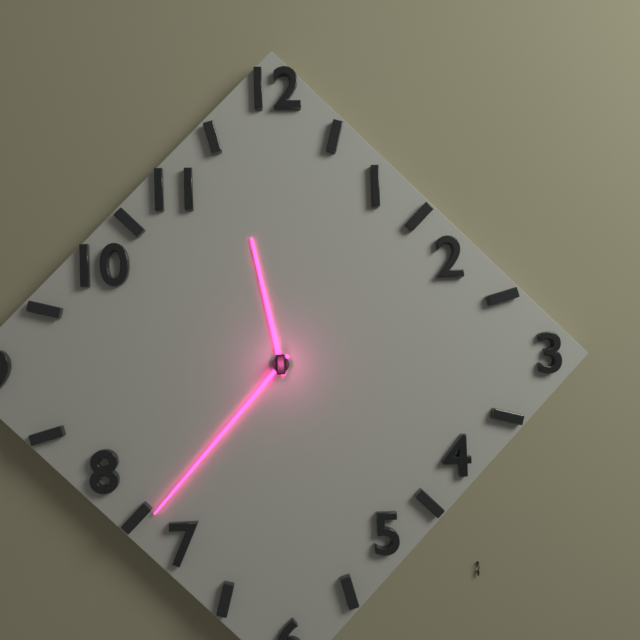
11.37
